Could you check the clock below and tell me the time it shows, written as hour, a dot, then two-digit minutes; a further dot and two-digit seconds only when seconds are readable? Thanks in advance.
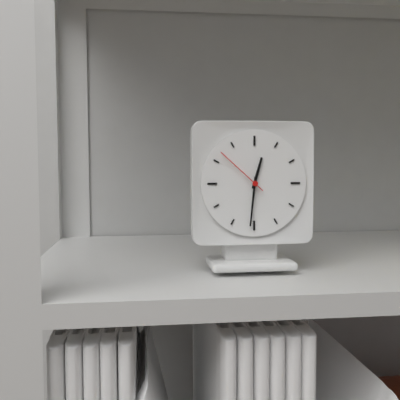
12.31.52
